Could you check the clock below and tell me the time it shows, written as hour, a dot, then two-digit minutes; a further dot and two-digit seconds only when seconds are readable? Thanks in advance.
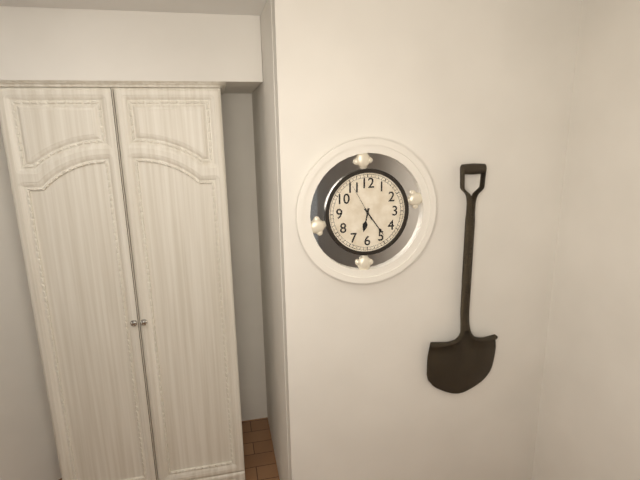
6.24
